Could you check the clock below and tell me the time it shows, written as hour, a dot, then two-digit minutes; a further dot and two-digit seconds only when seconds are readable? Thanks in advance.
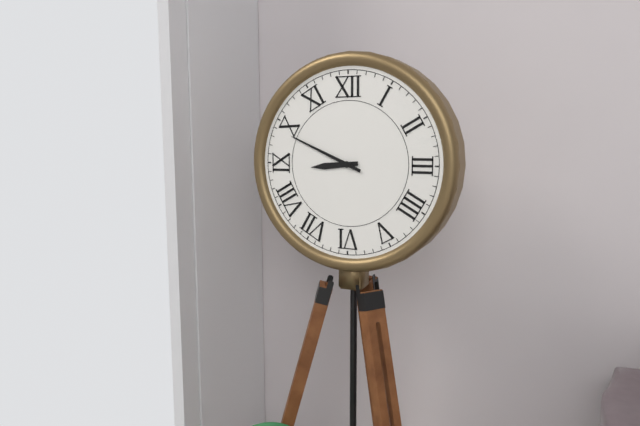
8.49
